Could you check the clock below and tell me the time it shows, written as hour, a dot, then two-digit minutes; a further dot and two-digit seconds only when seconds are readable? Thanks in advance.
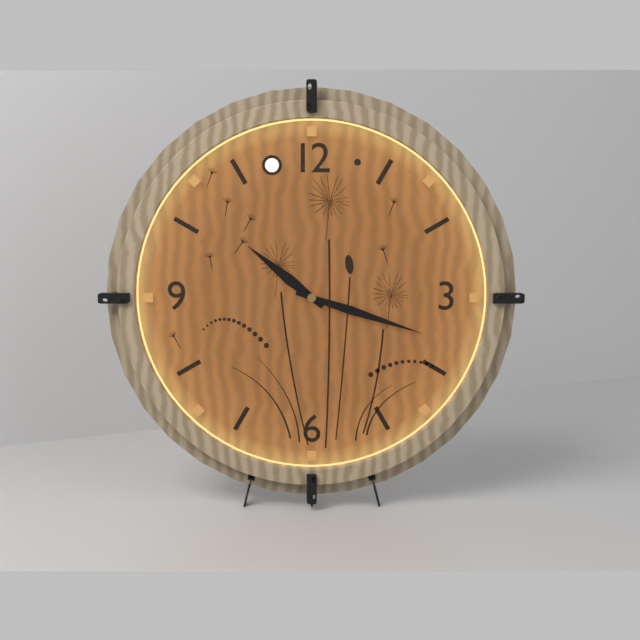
10.18
